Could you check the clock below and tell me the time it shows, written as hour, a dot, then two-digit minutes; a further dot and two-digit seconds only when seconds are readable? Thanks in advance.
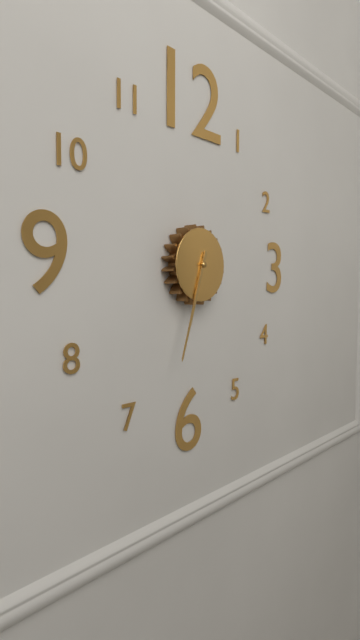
6.33
